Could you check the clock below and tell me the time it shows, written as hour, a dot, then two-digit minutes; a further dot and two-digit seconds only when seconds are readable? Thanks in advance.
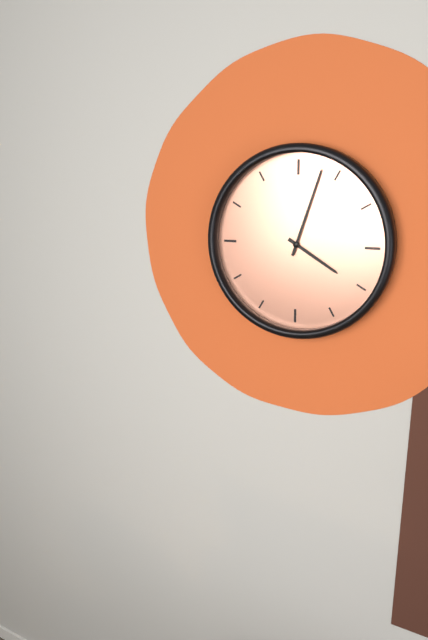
4.03
